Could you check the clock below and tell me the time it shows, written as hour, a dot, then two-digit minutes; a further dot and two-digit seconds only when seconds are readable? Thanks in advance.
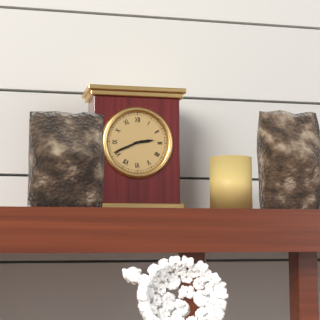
2.41
